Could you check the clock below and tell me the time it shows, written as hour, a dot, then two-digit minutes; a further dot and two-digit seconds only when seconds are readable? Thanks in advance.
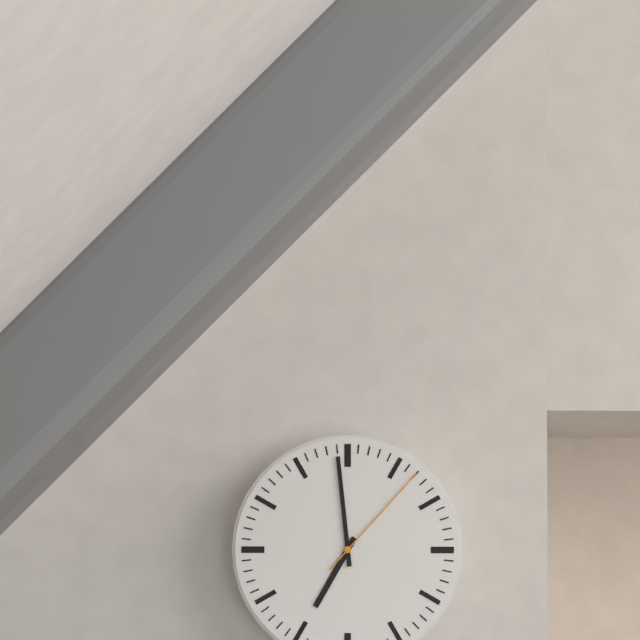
6.59.07
